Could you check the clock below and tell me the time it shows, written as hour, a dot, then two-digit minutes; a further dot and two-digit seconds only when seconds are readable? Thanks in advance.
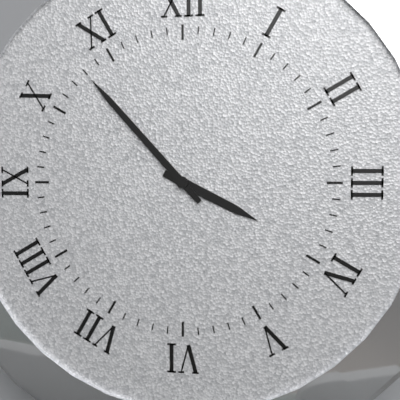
3.53
